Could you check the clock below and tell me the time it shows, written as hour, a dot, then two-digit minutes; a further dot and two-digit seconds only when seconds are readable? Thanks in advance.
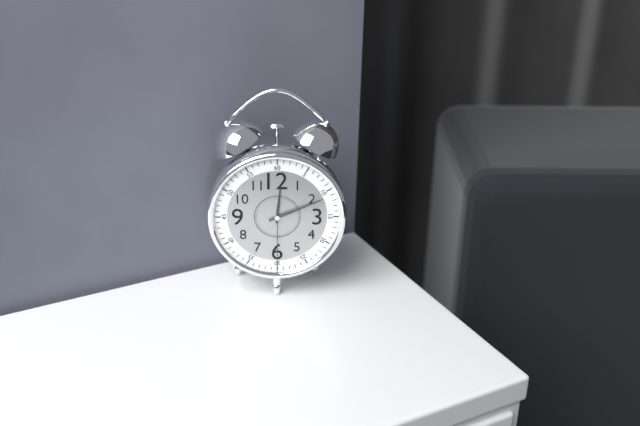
12.11.30
